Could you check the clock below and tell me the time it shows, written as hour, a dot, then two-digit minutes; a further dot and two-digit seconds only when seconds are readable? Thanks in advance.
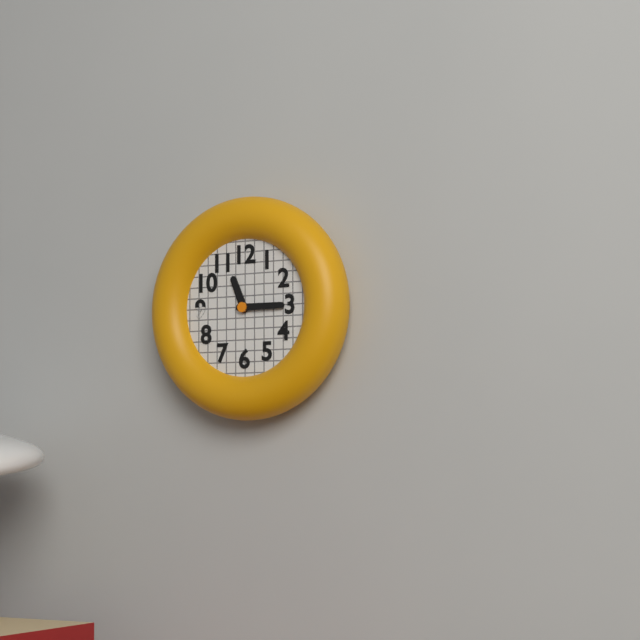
11.15
